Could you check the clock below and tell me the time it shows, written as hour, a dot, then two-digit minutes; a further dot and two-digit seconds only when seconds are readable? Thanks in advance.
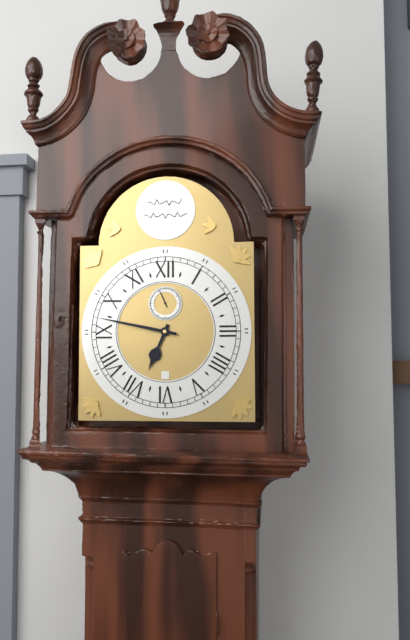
6.47
